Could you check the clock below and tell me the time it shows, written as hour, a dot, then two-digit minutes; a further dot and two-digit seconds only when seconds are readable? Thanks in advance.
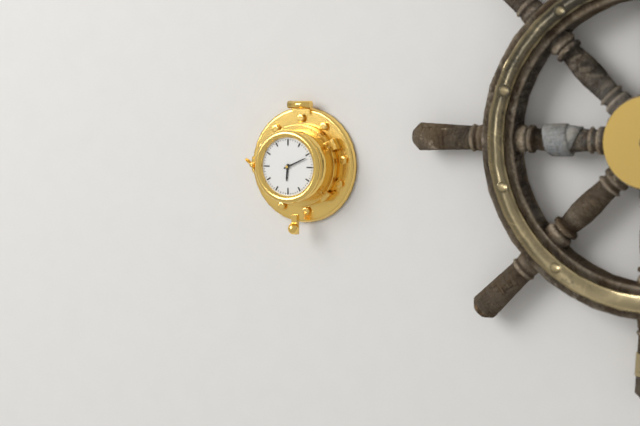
6.11
